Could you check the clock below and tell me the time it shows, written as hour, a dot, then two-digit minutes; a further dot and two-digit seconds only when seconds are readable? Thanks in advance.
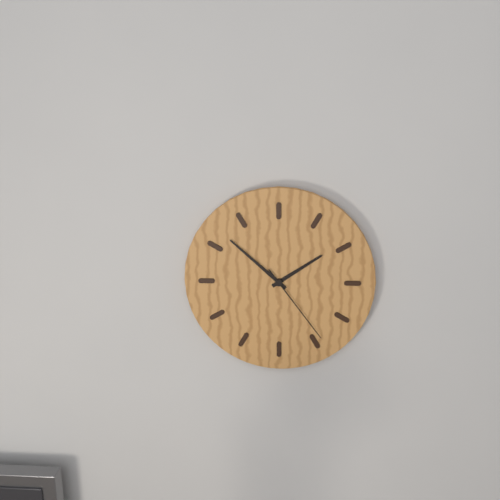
1.52.24
